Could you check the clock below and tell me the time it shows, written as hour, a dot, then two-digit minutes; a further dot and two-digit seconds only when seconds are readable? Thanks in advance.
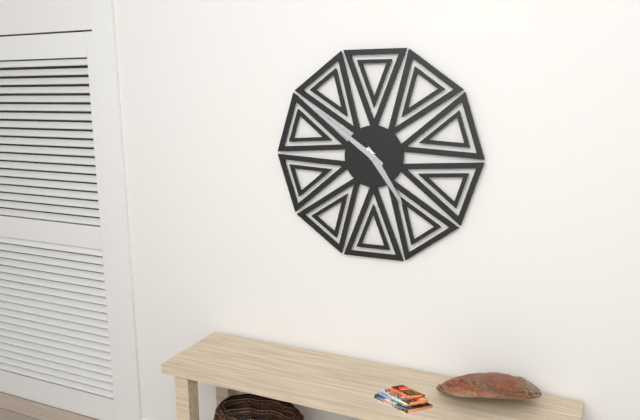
4.51
